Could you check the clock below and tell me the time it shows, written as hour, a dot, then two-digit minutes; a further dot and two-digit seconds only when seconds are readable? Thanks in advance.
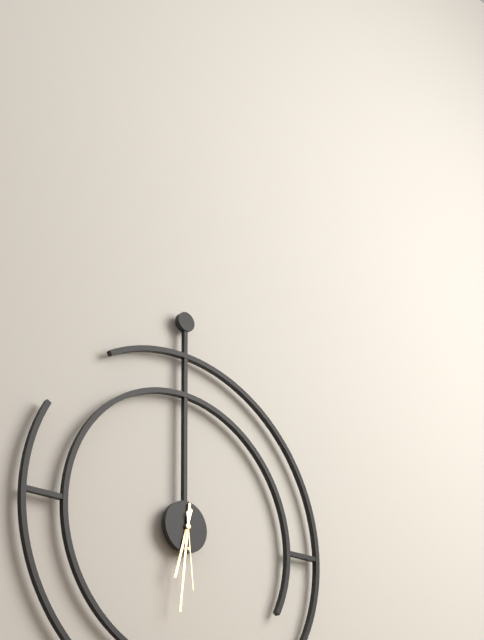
6.31.29
